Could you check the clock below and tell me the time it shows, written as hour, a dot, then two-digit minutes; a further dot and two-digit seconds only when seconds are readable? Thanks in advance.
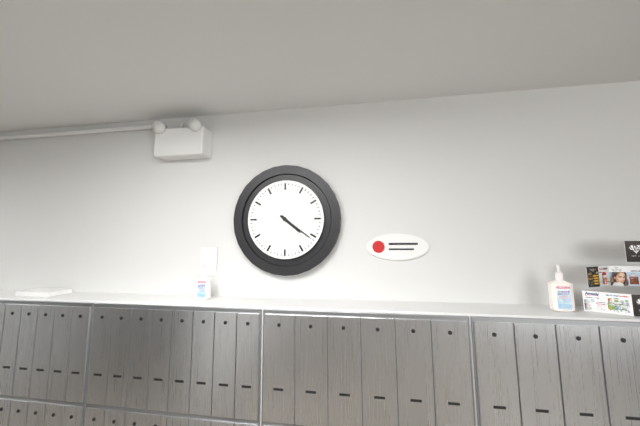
4.21
